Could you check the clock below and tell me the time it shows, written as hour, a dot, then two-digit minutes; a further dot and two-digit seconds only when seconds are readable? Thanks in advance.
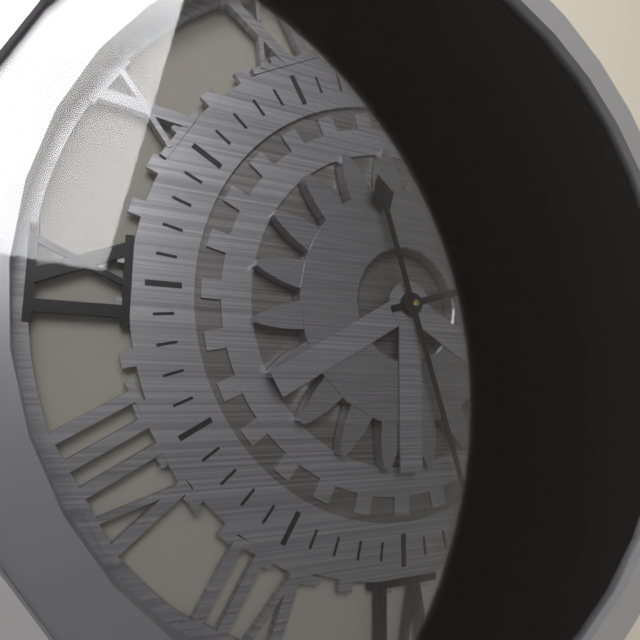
2.27
